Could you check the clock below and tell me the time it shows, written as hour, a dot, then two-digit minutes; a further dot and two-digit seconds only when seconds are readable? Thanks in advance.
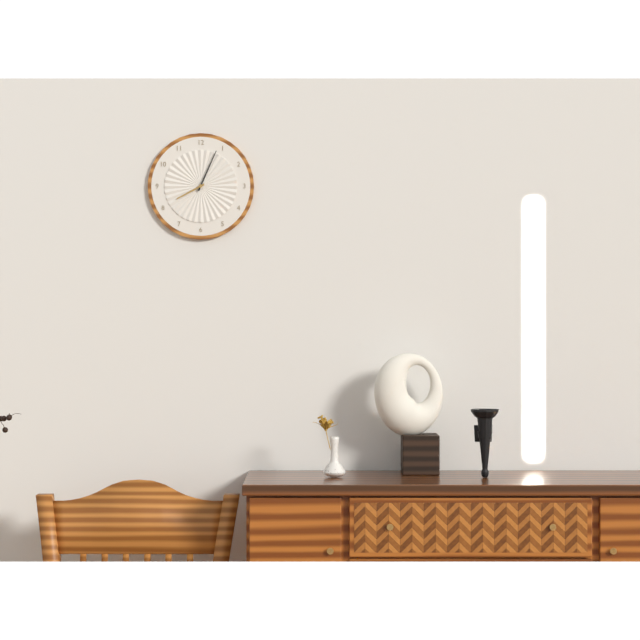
8.04
